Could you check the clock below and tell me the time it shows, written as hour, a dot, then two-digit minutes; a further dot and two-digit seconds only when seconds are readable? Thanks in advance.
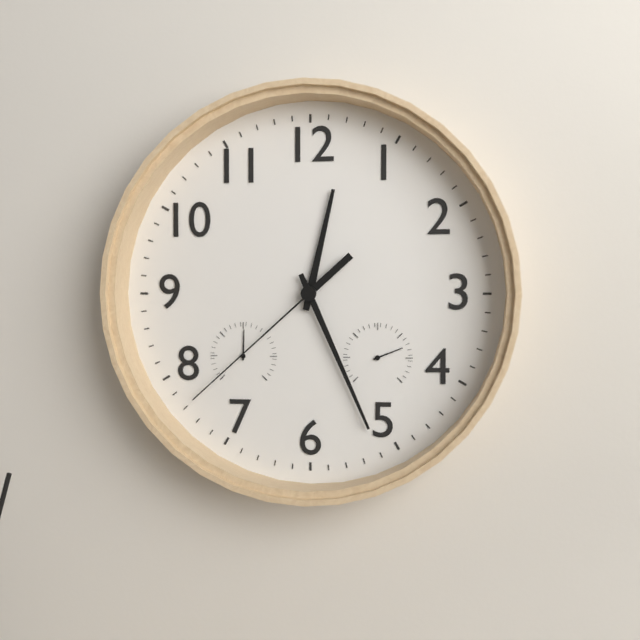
12.26.38
